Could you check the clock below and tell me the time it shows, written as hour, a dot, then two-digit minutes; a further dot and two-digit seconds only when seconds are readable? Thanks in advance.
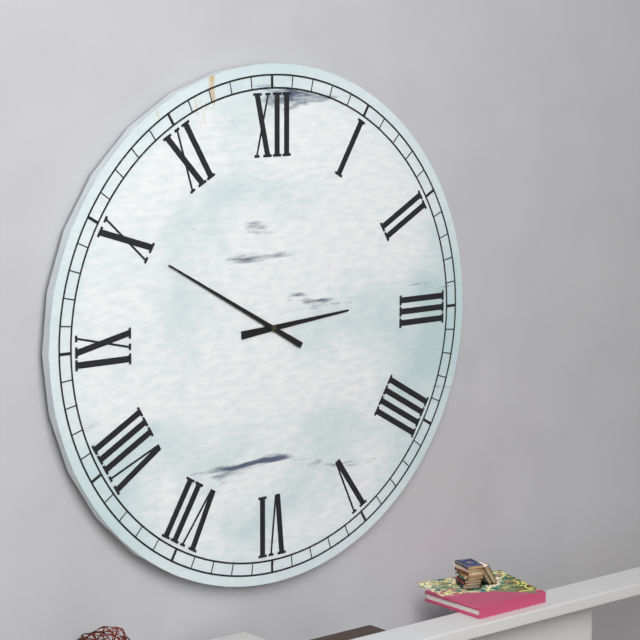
2.50
